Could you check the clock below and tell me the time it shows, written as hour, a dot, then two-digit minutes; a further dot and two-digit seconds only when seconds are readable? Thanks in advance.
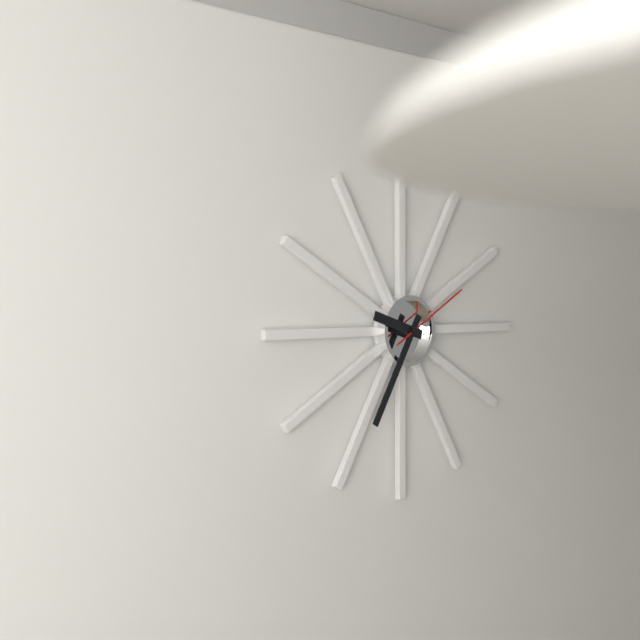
9.35.10
